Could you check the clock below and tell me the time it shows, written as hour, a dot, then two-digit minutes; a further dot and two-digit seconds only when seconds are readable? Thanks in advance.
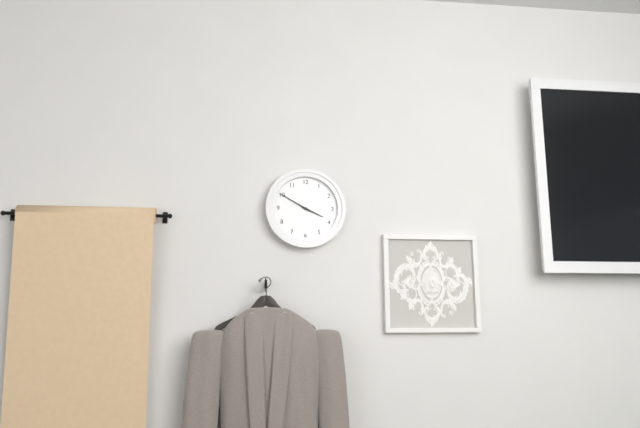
3.50
